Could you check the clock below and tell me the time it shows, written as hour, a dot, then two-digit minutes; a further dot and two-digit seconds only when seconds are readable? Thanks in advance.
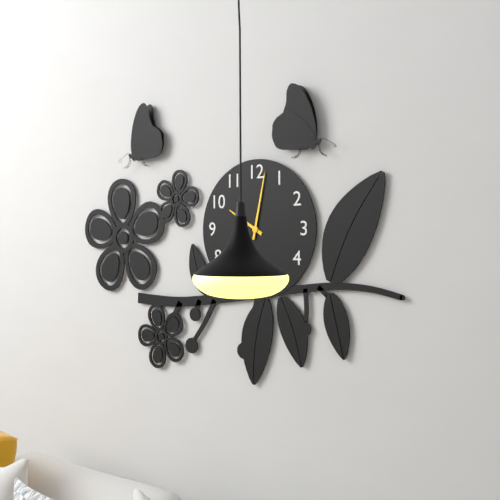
10.02
